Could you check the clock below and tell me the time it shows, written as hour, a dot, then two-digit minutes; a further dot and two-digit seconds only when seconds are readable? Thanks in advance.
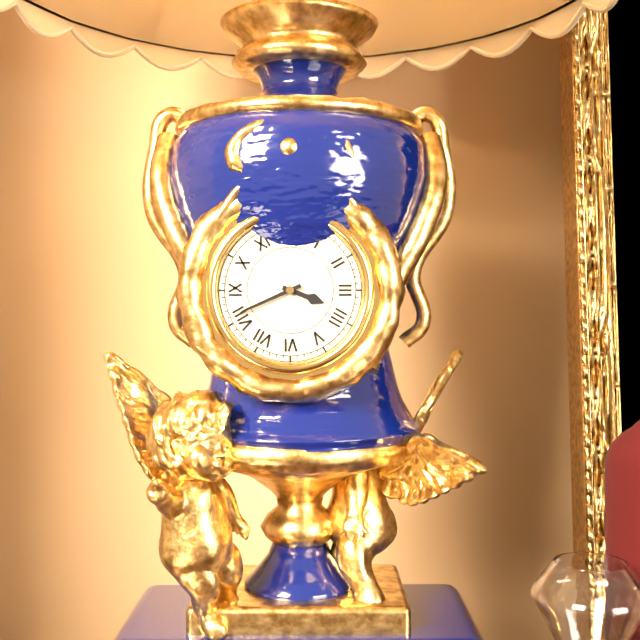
3.41
